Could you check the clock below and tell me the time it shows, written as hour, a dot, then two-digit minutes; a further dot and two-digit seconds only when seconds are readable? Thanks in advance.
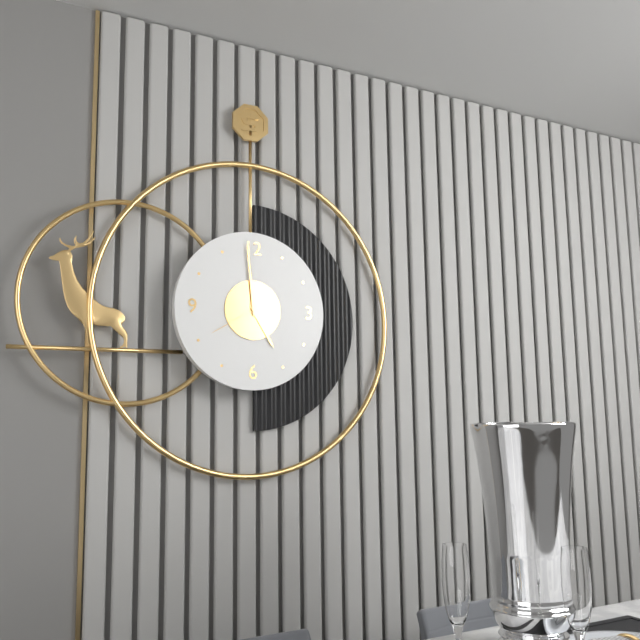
4.59.40
